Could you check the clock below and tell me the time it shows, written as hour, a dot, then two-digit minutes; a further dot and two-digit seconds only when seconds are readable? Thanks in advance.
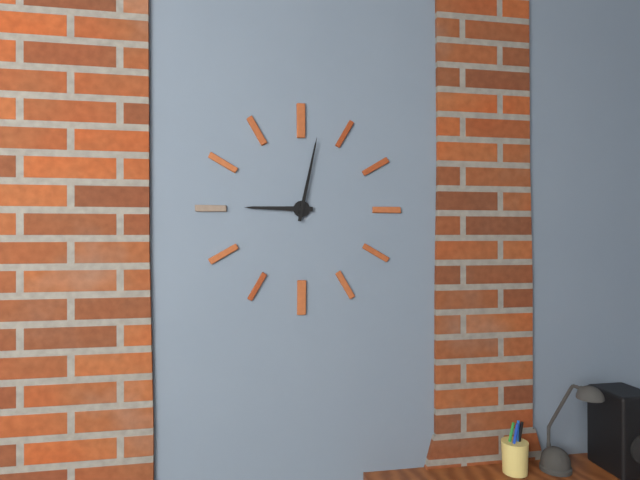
9.02
